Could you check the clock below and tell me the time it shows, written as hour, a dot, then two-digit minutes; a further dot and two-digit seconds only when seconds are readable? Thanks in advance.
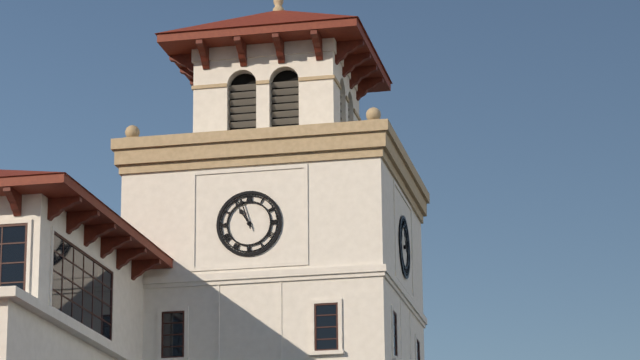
10.57
